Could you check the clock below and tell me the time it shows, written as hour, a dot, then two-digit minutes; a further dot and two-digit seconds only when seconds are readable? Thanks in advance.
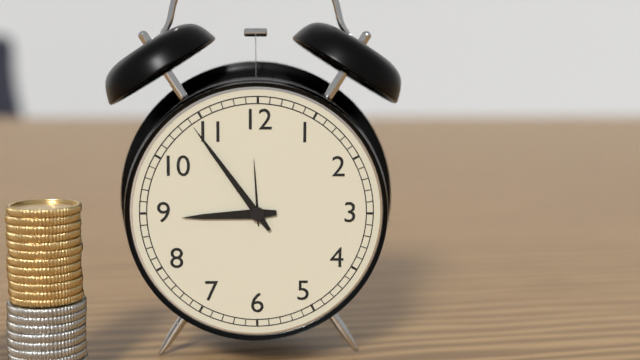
8.54
